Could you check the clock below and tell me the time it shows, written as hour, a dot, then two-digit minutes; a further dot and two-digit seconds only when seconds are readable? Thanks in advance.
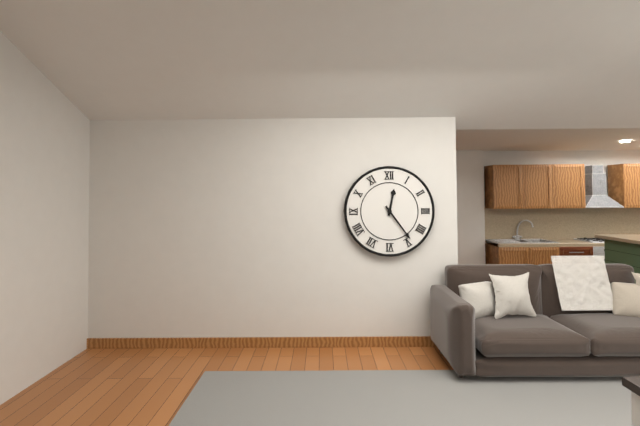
12.24
